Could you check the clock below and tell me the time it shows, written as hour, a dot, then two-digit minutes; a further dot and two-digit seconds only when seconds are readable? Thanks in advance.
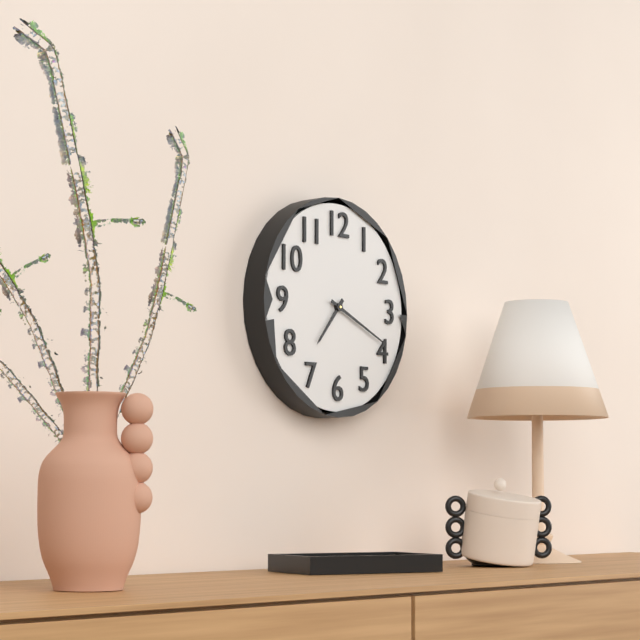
7.19
